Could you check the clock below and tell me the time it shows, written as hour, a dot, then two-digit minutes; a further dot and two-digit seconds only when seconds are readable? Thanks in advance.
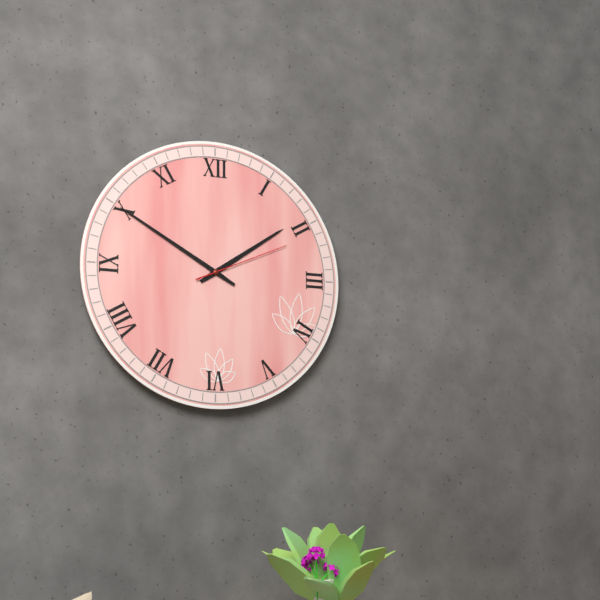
1.50.11
